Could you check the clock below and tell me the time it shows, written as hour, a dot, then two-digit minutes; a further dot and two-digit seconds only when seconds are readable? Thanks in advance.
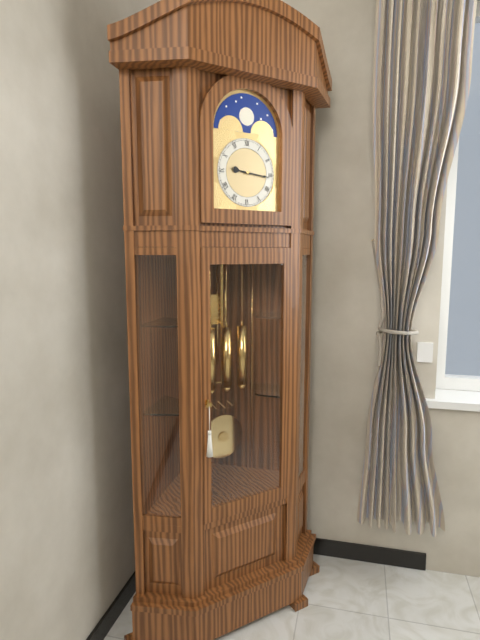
9.16
